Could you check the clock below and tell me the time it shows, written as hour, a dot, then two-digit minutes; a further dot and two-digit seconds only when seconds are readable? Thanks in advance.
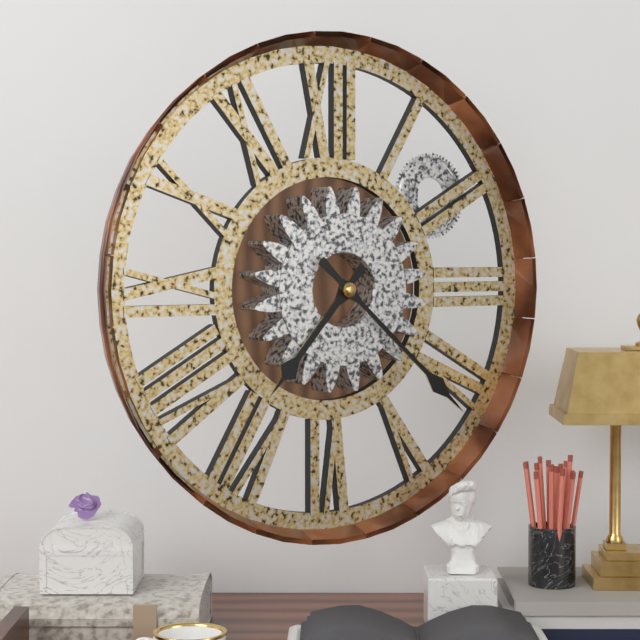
7.22
